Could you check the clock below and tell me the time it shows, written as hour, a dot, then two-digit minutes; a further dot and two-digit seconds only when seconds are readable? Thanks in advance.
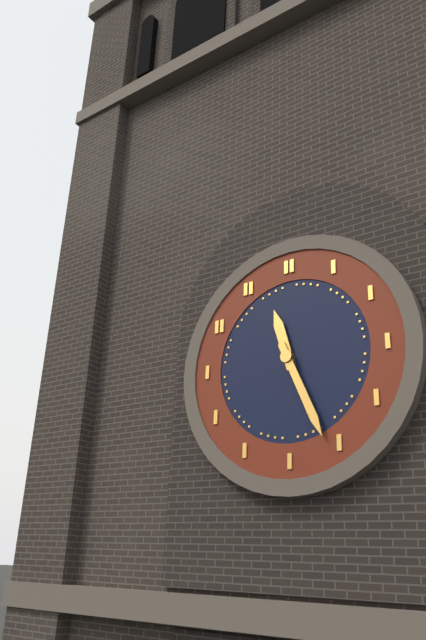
11.26
